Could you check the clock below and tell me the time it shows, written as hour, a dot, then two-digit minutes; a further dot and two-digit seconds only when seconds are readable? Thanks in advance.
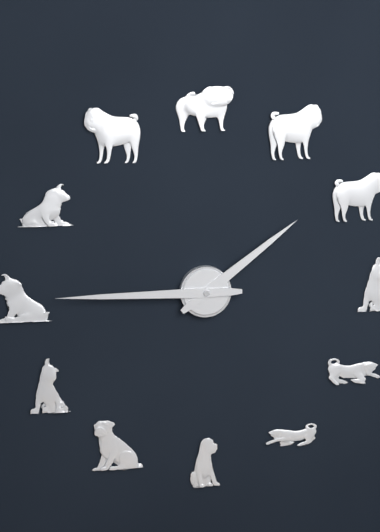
1.45
